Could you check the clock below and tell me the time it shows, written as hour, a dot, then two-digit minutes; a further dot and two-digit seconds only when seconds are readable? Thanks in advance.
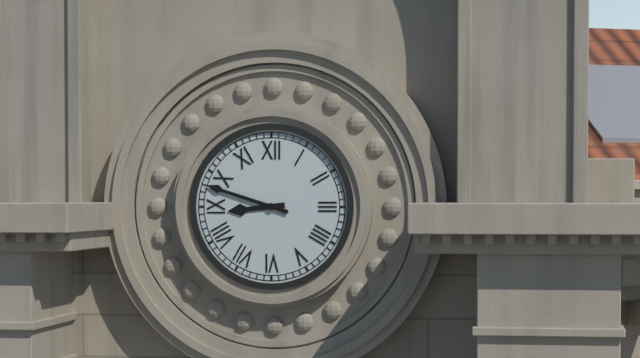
8.48
